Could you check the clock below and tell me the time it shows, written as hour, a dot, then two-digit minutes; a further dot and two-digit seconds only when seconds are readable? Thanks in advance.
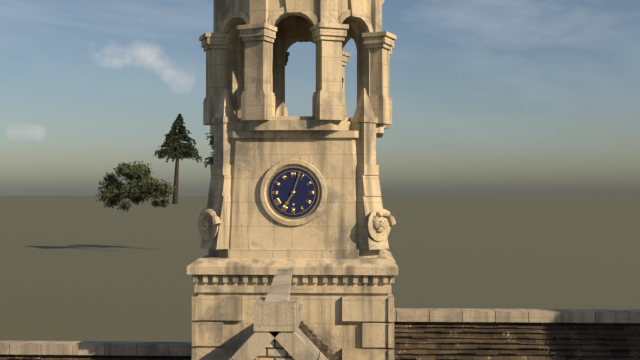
7.03
